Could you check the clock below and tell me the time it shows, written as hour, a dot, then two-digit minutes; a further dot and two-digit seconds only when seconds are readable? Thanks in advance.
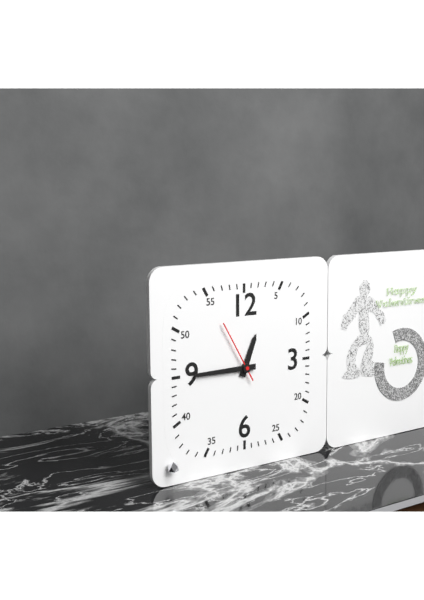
12.45.55
